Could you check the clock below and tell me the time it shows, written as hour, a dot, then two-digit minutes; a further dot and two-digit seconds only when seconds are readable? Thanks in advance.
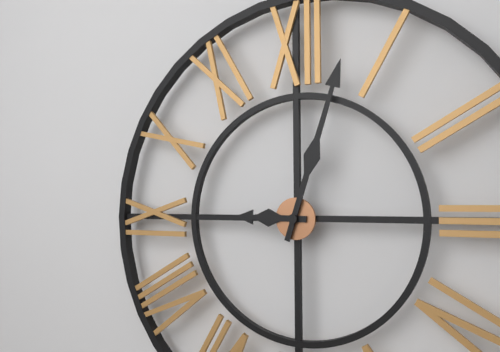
9.03
